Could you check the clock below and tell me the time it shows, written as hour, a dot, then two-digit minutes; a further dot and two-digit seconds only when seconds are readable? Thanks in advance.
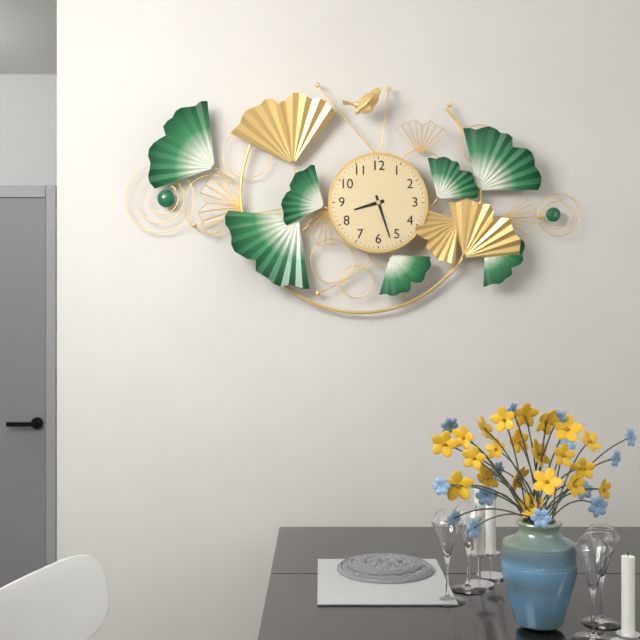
8.27
